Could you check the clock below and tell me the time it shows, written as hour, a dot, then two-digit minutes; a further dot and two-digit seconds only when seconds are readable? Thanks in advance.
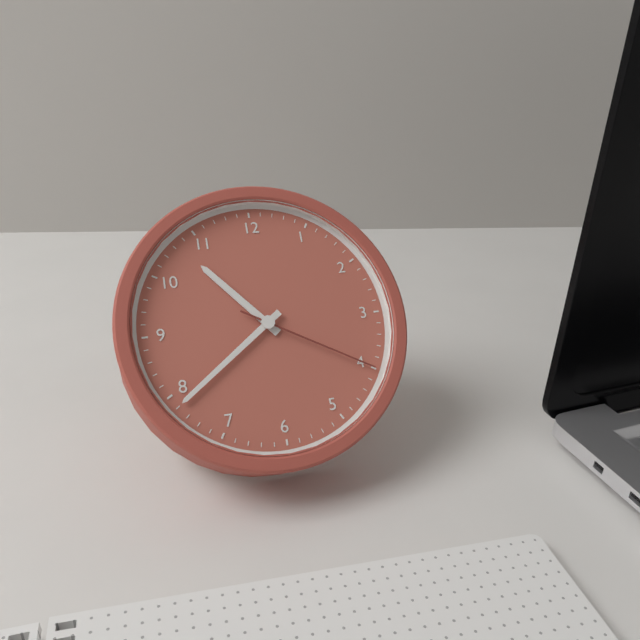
10.39.20
